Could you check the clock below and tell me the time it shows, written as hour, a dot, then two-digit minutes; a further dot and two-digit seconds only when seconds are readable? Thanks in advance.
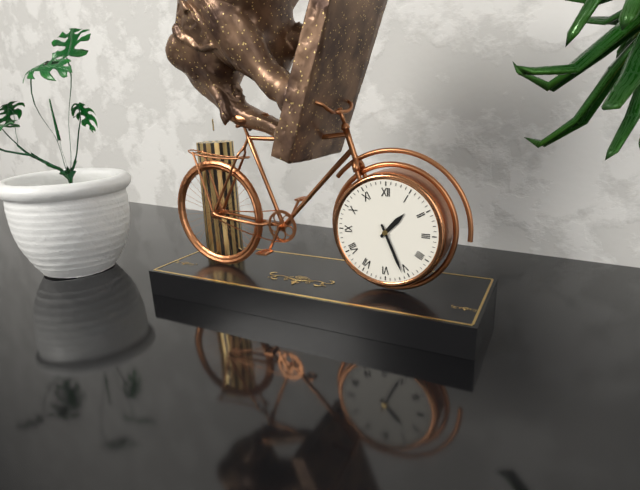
1.26
